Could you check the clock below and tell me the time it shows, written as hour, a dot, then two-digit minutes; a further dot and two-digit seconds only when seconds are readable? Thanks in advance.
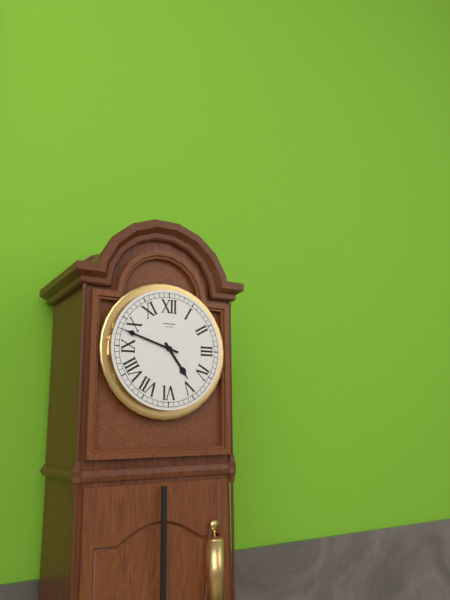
4.48
